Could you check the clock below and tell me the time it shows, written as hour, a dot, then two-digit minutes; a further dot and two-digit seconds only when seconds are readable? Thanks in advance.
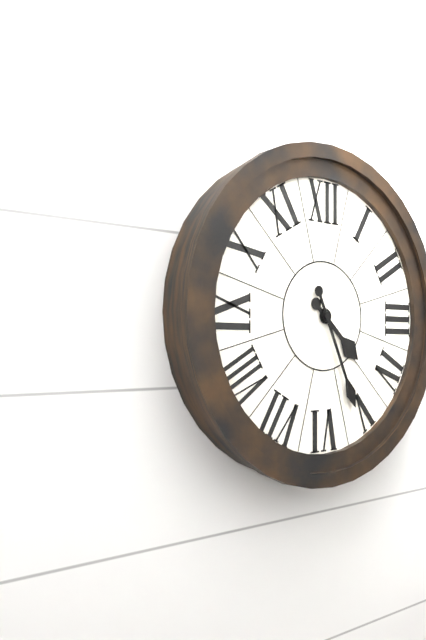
4.26
